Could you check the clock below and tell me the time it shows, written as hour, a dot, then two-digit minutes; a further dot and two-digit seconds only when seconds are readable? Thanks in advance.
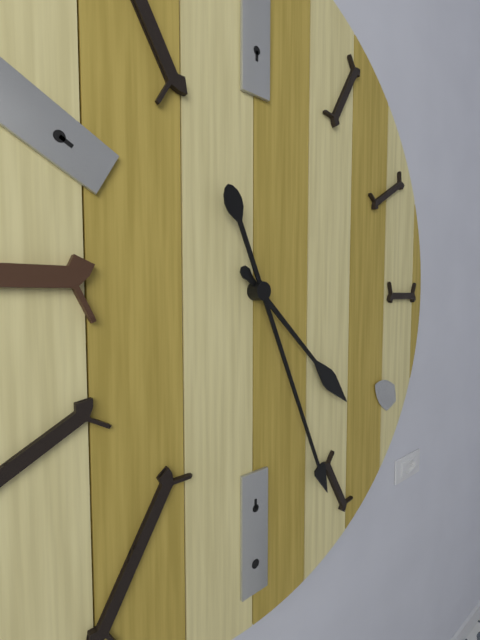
4.26
